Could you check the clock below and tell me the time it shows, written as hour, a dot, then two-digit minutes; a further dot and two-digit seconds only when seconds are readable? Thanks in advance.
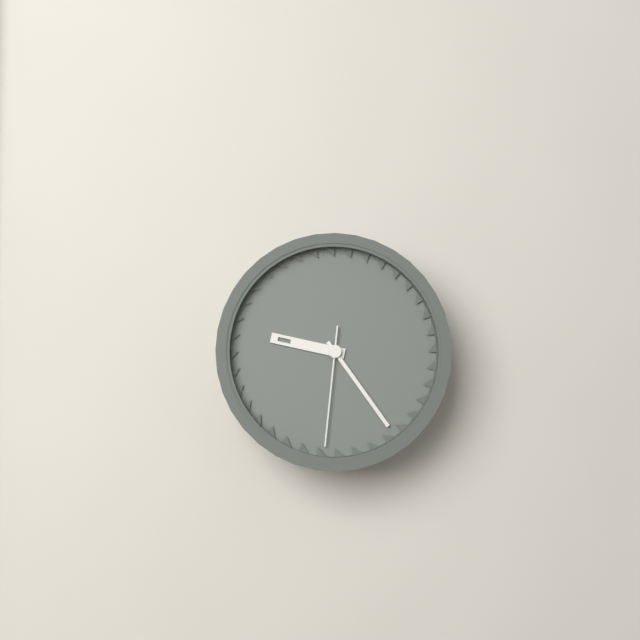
9.24.31
